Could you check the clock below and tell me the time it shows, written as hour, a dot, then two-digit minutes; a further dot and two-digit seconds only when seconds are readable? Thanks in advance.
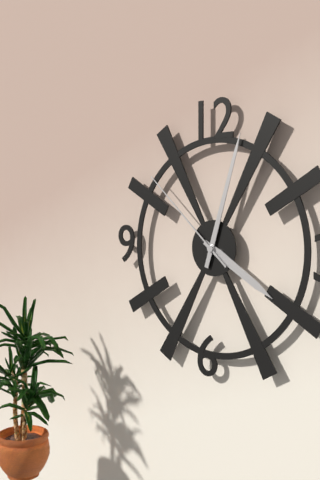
4.03.52
